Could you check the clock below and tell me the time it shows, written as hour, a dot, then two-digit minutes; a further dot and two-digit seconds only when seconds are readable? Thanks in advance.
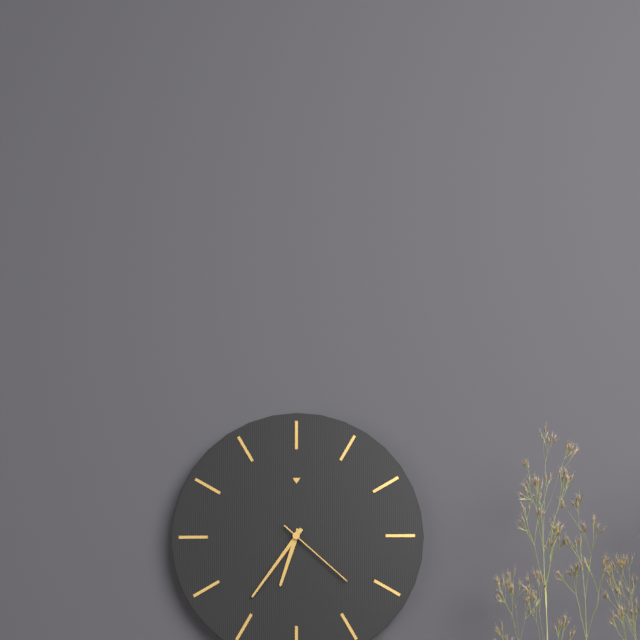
6.36.22
